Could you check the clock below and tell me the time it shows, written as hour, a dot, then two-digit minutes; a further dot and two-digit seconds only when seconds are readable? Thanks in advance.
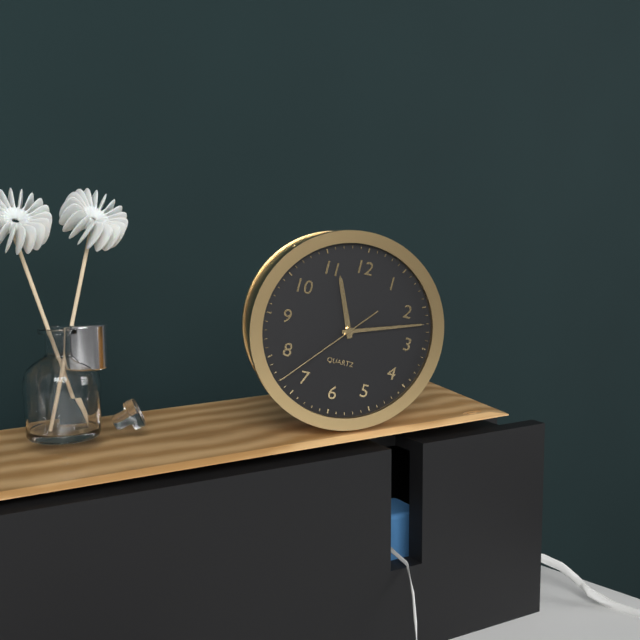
11.12.37
